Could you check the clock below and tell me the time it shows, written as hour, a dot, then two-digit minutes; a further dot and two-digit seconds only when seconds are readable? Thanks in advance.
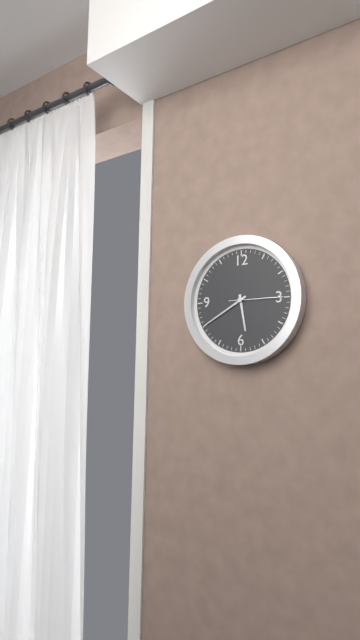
5.40.15
